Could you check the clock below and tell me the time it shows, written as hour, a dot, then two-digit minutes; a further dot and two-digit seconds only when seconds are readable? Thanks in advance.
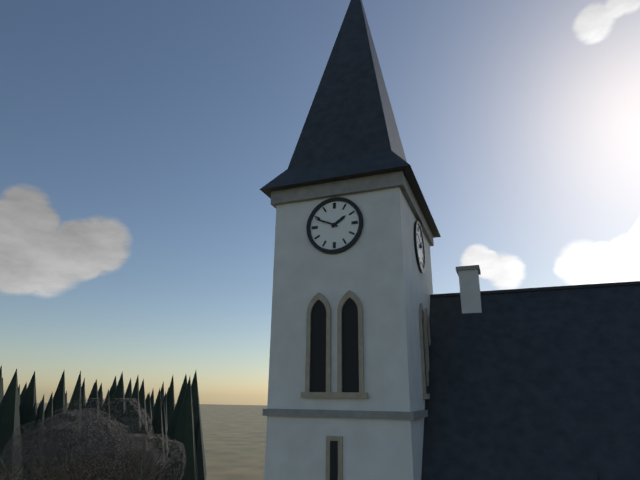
1.49
